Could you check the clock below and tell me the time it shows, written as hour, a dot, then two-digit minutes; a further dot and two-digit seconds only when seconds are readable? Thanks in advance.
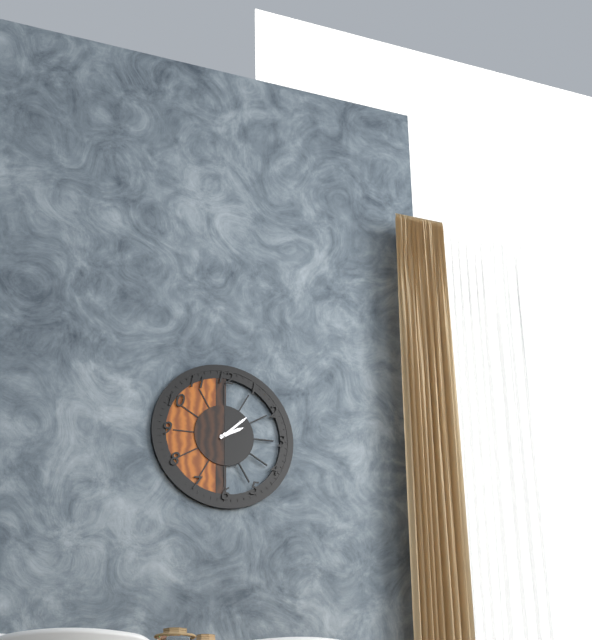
2.08
